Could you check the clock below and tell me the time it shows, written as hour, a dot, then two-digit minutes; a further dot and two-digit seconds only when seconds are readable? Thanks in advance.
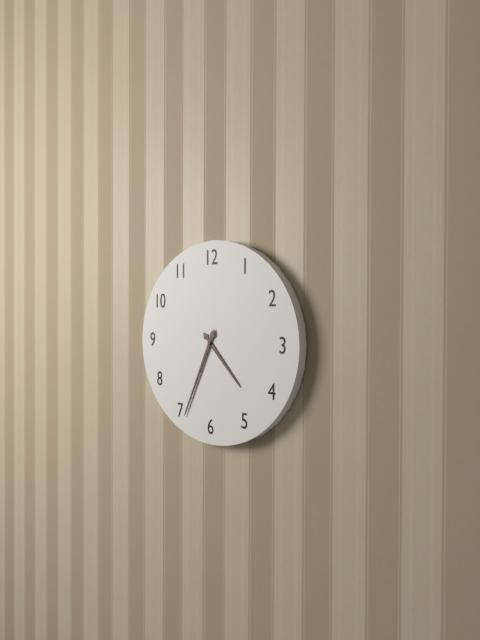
4.34
